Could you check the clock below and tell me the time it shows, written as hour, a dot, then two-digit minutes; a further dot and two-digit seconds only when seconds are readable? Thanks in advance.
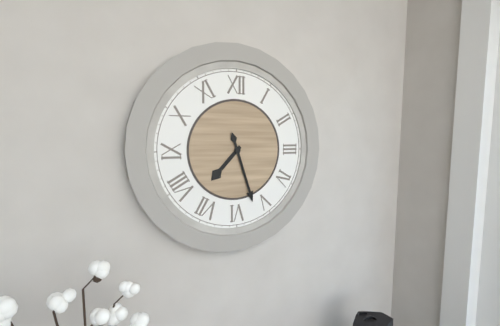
7.27
